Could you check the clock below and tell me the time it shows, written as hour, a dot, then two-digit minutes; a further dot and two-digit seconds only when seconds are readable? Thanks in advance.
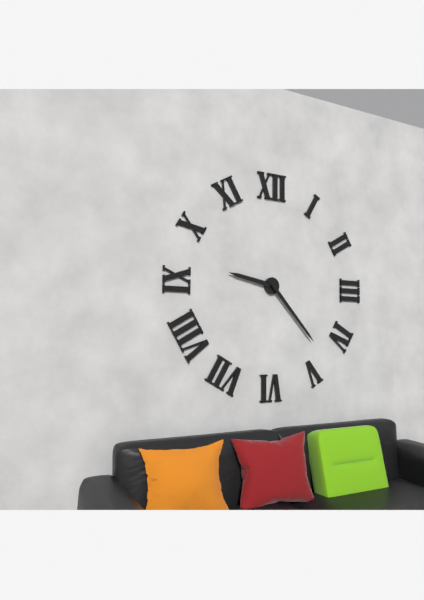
9.23
